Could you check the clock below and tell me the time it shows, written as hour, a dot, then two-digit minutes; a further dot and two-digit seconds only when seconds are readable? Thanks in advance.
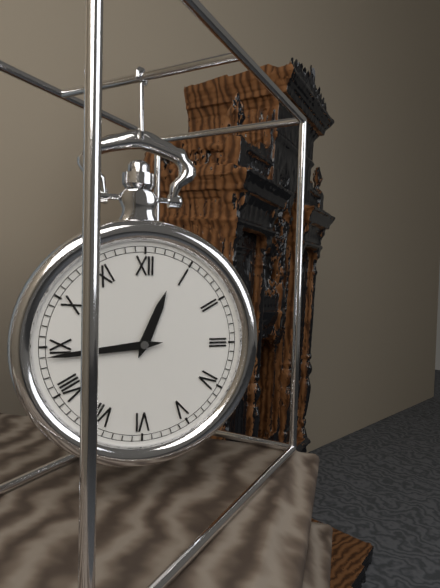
12.44
